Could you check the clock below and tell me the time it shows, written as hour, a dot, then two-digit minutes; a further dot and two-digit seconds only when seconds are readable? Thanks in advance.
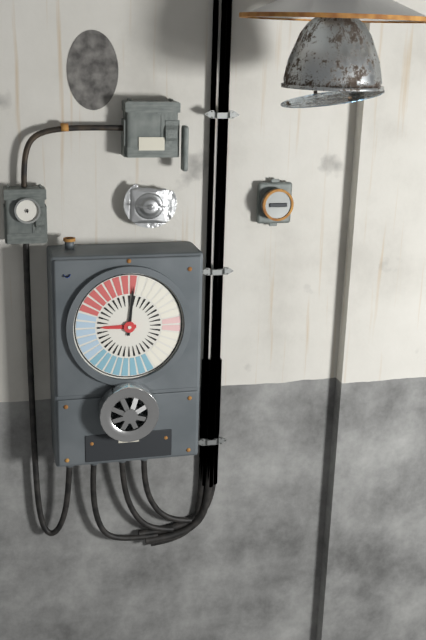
9.01
